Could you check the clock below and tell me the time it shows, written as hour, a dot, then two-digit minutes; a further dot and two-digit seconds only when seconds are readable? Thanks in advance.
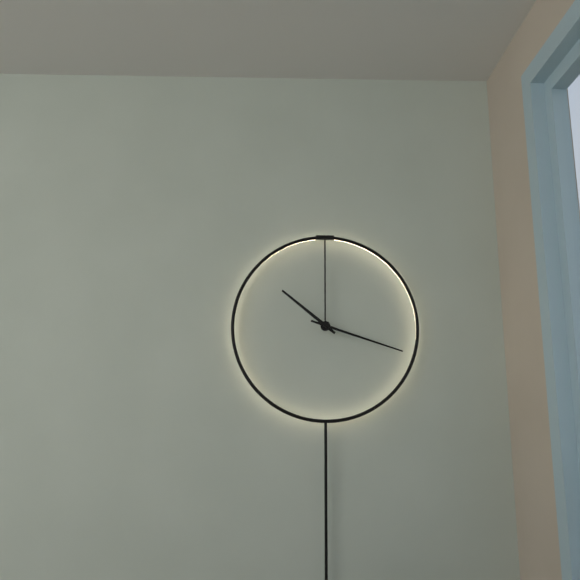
10.18
